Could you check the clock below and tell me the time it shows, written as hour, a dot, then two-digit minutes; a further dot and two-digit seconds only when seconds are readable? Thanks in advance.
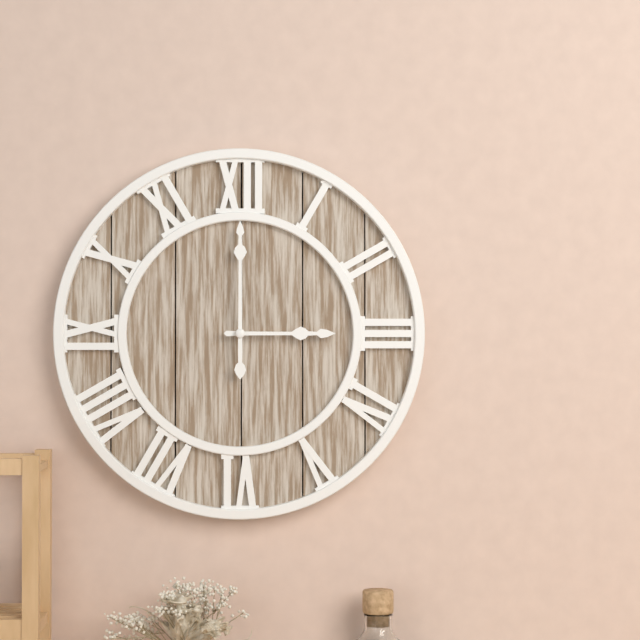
3.00
